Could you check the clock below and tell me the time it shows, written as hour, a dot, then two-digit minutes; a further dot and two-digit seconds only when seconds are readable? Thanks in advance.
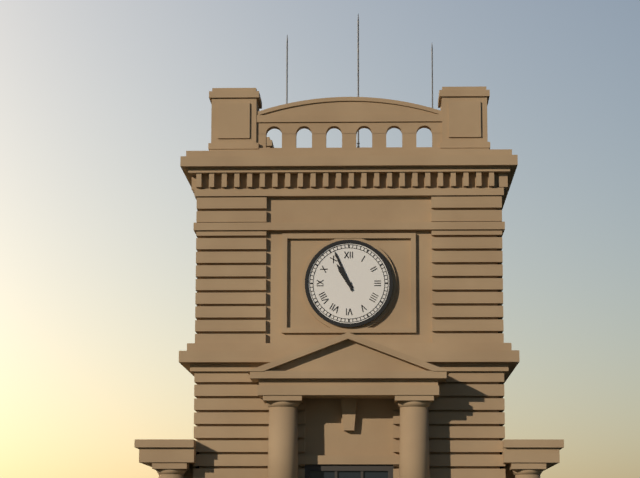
10.56
